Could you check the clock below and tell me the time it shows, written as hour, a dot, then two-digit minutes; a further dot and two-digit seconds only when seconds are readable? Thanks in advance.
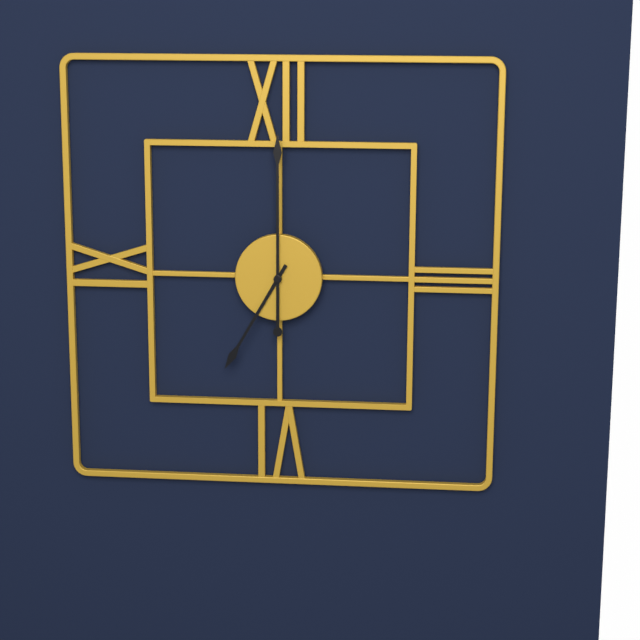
7.00
